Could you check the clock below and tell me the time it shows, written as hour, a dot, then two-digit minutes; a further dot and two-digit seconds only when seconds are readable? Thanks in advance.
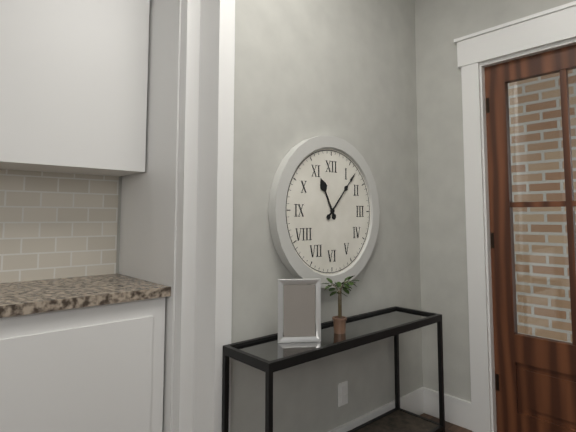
11.07
